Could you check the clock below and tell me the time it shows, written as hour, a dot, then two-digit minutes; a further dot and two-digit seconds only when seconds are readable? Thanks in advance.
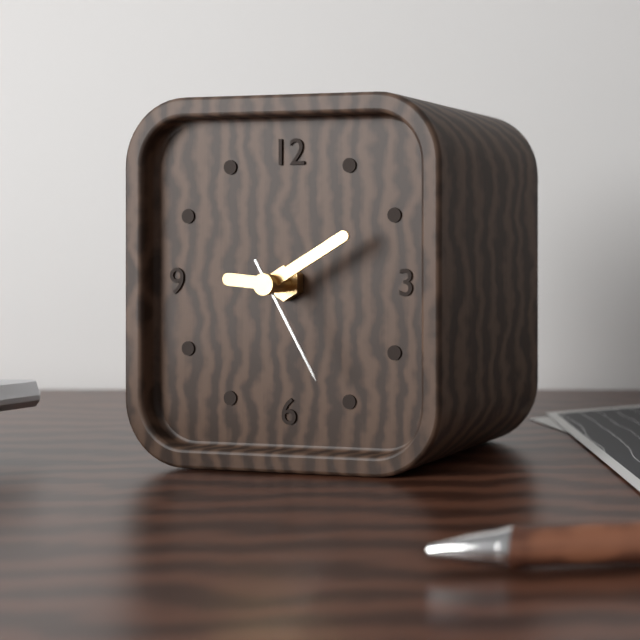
9.10.25
